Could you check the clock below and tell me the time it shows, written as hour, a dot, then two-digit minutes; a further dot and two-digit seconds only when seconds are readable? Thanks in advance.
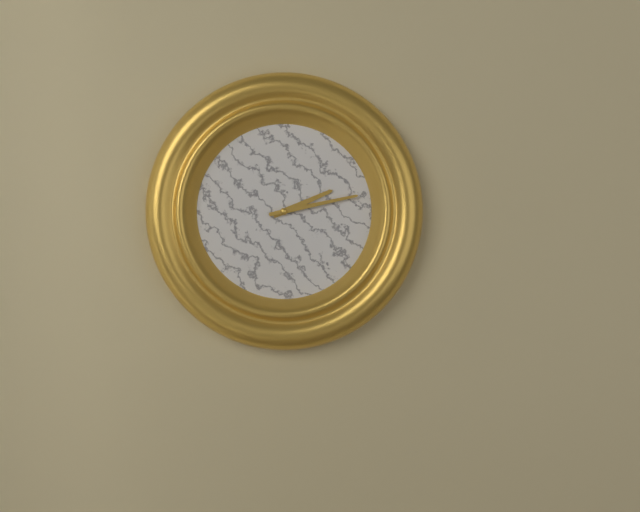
2.13
